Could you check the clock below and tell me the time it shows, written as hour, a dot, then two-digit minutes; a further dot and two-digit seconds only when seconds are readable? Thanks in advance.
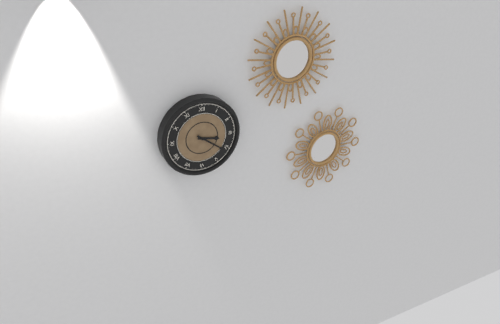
3.21
